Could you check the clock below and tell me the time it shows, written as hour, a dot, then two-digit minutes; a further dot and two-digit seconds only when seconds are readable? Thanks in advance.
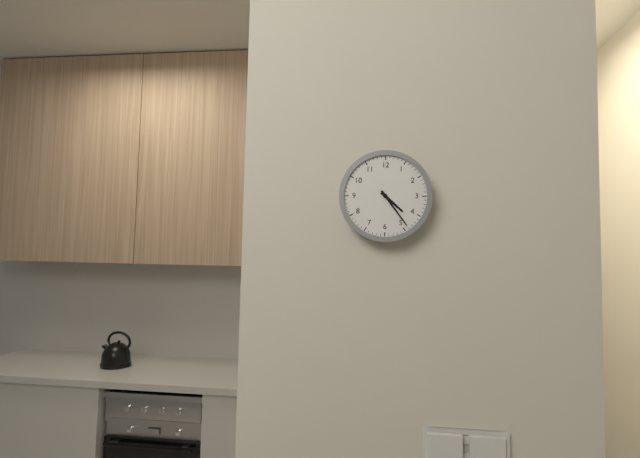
4.24
